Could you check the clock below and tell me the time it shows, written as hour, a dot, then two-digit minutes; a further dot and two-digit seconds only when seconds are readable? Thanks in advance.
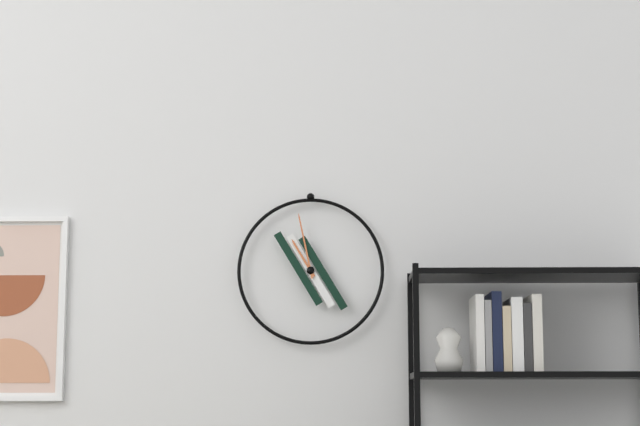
10.58
